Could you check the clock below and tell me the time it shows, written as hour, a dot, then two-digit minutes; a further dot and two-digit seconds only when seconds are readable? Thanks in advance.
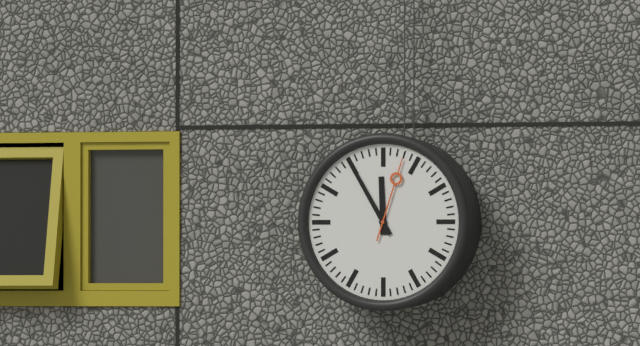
11.55.03
